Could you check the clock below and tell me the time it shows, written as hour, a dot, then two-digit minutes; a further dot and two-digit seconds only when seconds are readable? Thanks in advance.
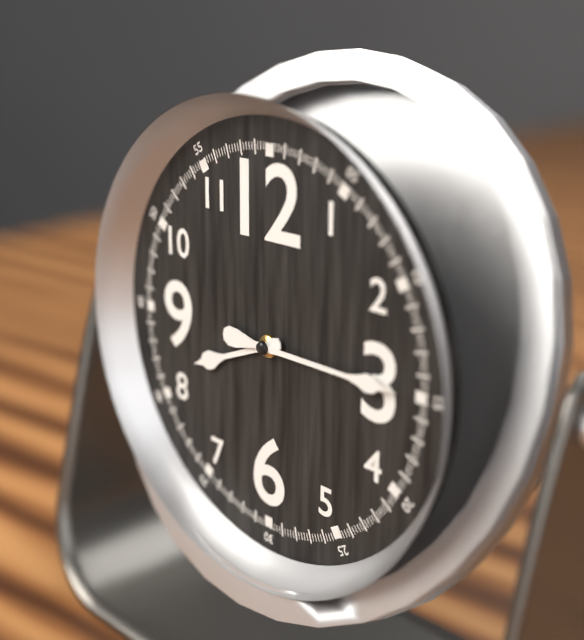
8.15
